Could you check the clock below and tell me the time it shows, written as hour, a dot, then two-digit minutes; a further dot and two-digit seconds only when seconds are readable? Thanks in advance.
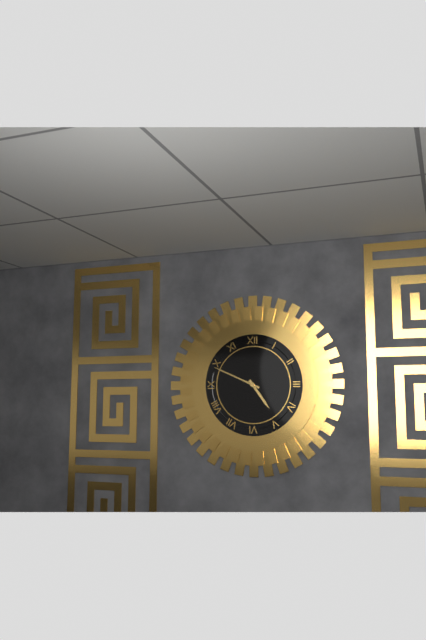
4.49
